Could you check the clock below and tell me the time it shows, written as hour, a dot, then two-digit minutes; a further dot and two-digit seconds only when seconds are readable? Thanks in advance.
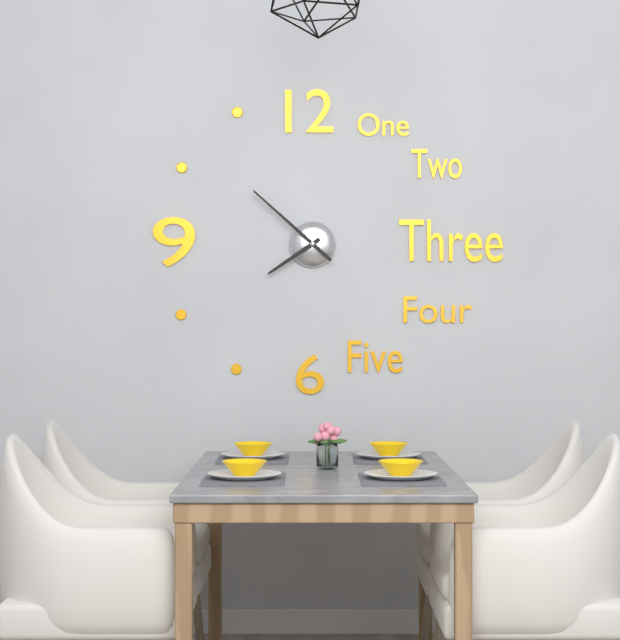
7.52
